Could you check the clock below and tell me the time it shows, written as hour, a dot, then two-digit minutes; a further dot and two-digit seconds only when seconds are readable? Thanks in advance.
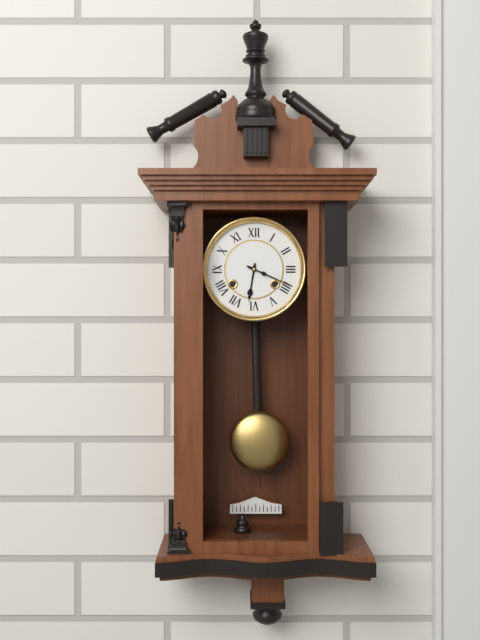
6.19
